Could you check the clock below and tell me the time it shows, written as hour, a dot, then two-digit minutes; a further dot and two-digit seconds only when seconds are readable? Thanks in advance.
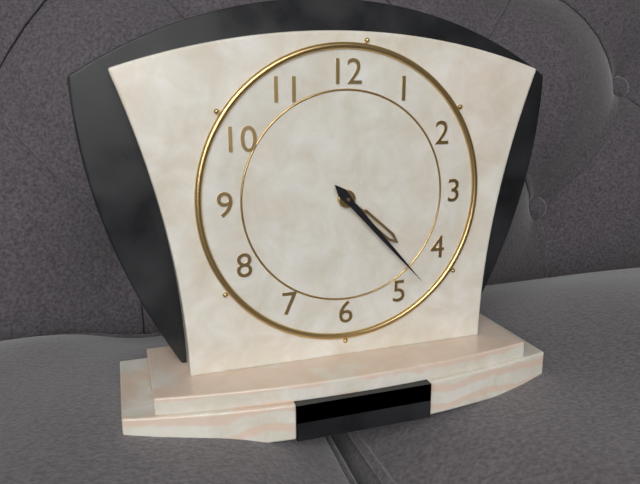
4.23
